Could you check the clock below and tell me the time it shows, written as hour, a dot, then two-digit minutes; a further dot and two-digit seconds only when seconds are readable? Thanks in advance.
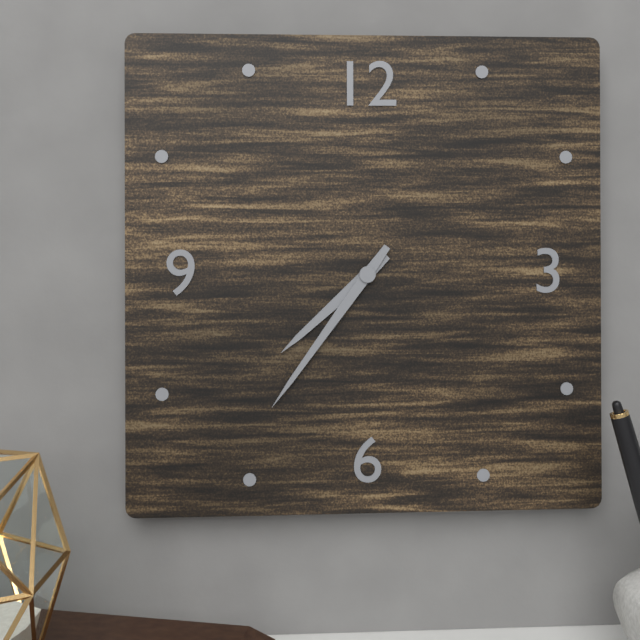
7.36
